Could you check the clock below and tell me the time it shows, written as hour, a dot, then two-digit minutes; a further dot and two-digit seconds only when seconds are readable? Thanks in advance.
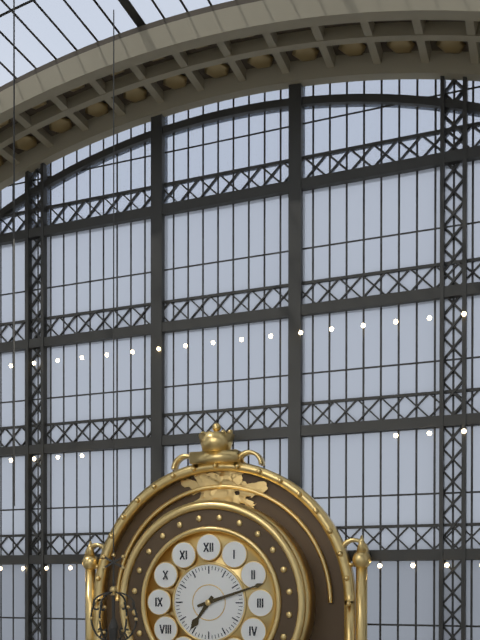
7.12
